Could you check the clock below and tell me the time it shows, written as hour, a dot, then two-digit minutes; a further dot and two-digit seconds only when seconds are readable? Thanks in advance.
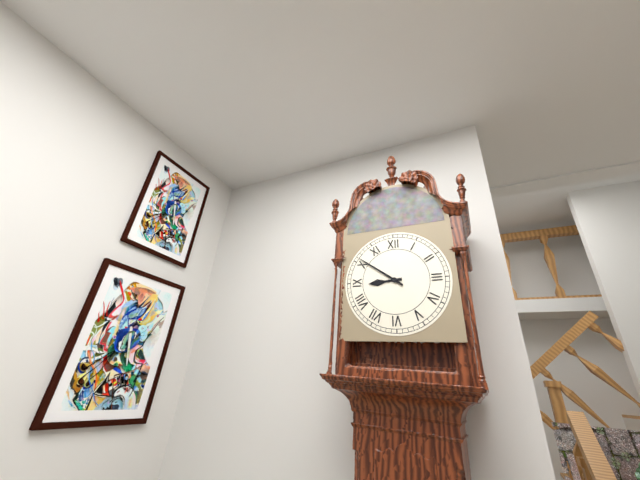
8.51
